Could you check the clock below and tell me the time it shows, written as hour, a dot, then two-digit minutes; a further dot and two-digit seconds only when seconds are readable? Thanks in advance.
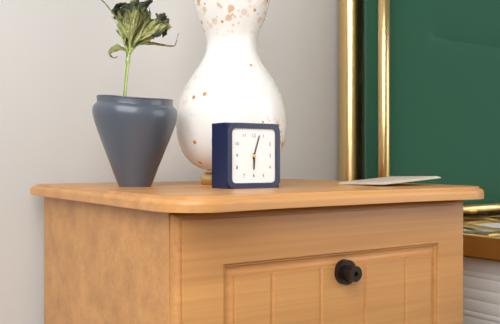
6.03
